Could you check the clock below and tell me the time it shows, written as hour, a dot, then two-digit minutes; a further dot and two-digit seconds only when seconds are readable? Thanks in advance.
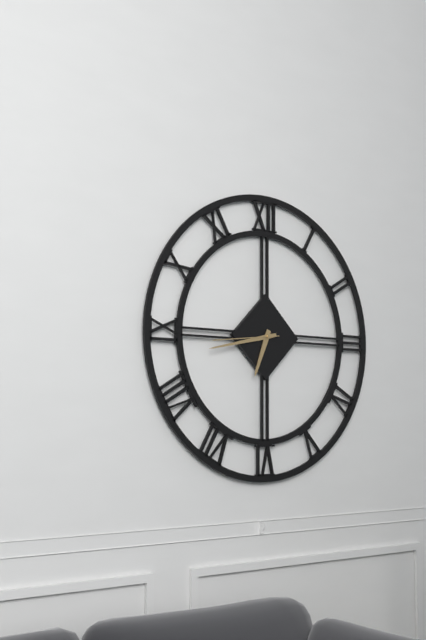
6.43.44
